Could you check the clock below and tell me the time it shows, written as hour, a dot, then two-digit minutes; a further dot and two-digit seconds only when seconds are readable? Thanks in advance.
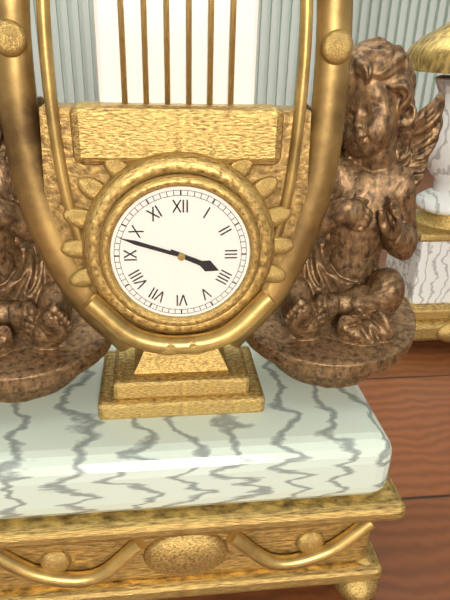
3.48
